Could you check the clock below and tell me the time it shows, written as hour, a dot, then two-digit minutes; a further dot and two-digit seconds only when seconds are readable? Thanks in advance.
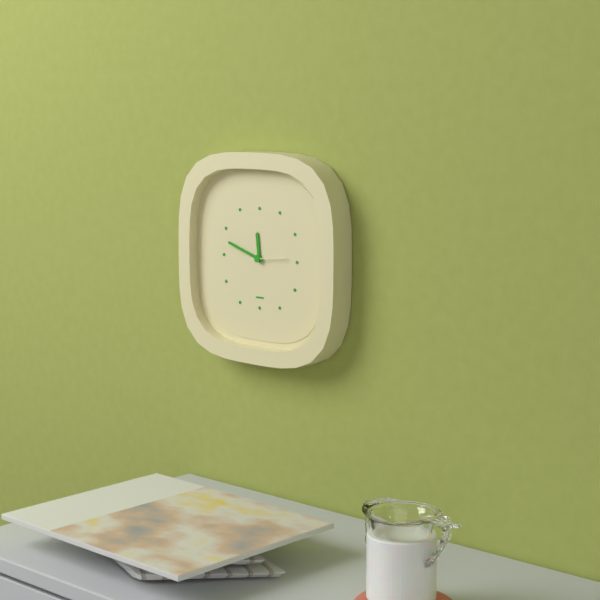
11.48
